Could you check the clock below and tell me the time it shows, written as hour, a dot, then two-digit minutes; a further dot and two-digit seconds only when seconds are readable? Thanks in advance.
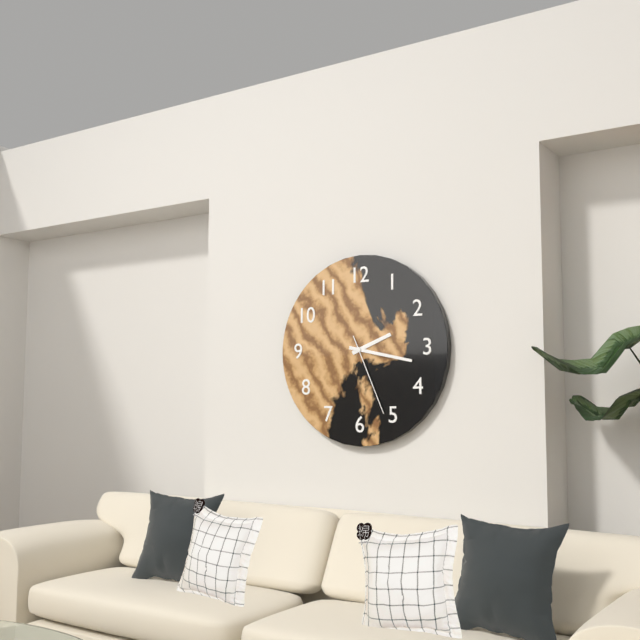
2.17.26
